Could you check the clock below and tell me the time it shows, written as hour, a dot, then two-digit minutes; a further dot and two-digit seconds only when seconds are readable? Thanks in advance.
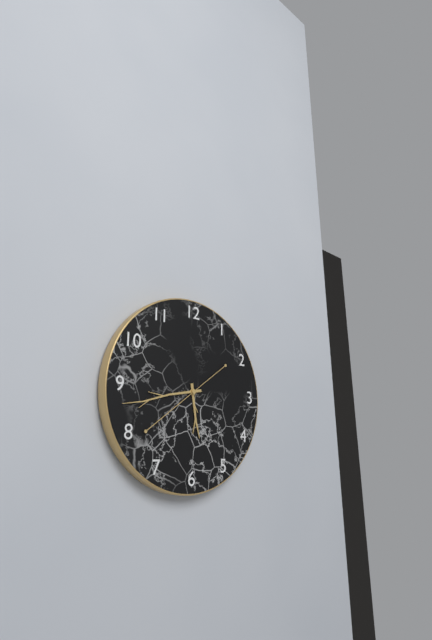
5.43.39
